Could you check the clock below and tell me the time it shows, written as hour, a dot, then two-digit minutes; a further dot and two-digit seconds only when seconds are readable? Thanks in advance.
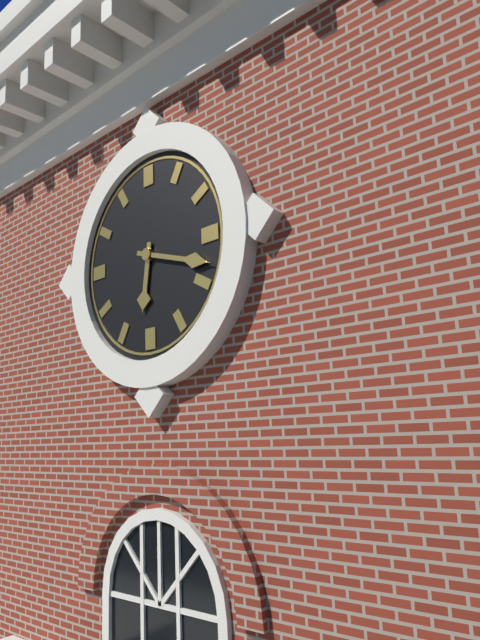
6.18
